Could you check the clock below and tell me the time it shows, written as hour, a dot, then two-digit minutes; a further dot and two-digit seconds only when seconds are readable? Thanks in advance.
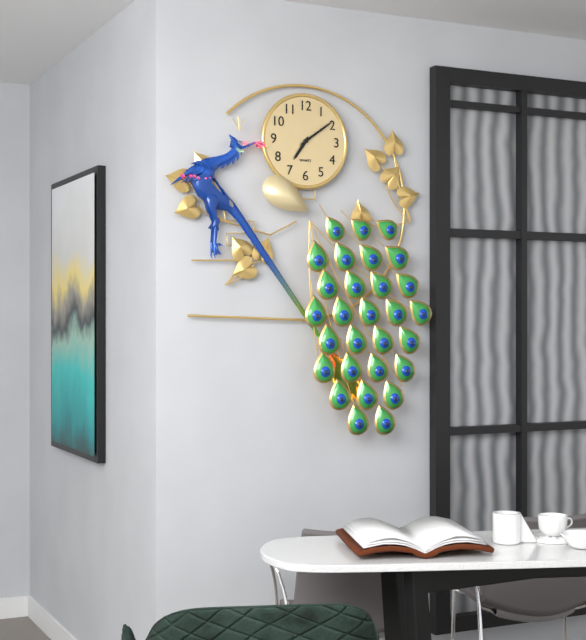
7.09
